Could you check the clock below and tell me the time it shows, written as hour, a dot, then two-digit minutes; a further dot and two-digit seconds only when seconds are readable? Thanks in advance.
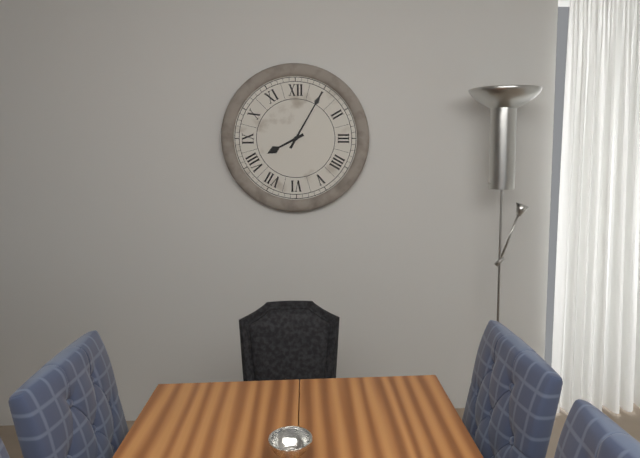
8.05
